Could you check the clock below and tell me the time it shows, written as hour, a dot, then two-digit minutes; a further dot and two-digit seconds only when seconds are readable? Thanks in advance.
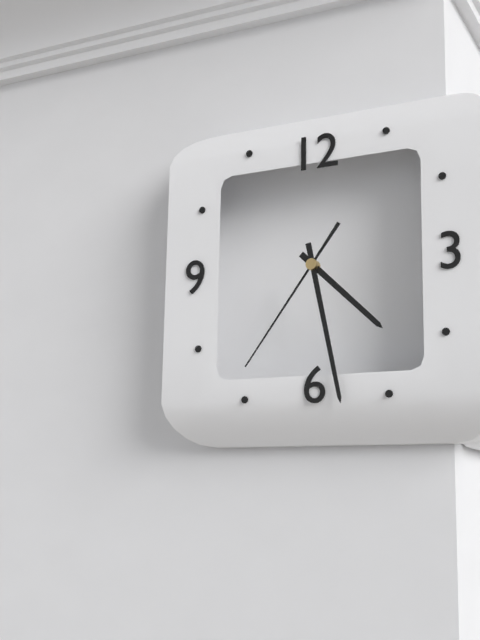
4.28.36
